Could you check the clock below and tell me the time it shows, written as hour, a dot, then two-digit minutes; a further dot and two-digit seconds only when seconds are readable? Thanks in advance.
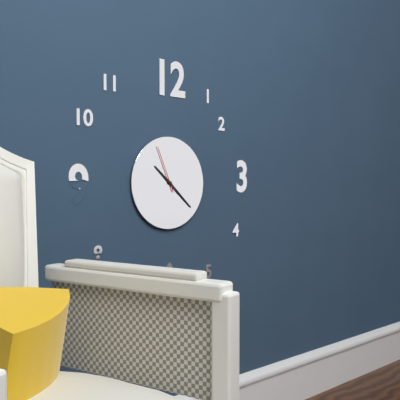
10.22
